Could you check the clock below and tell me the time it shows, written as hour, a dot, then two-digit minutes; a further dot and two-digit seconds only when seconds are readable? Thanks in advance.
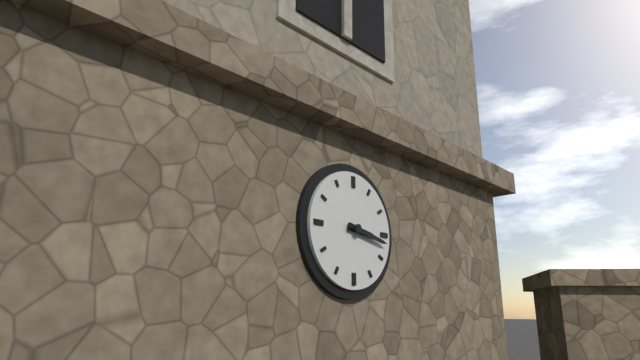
3.17
